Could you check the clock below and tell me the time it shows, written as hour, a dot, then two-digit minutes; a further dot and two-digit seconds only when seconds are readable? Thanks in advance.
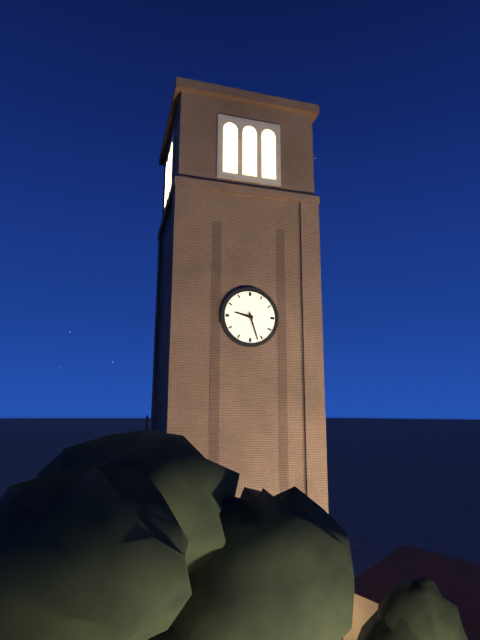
9.27
